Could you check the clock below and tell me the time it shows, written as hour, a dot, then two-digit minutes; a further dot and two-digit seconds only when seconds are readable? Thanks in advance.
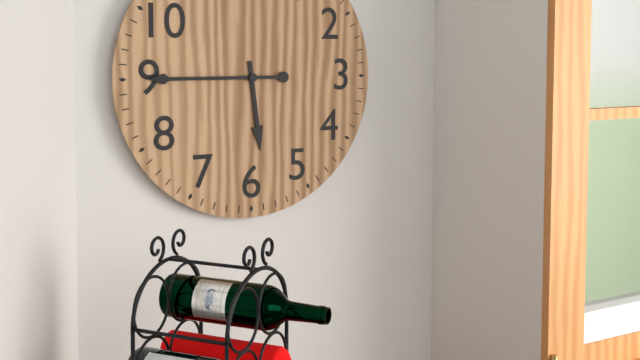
5.45
